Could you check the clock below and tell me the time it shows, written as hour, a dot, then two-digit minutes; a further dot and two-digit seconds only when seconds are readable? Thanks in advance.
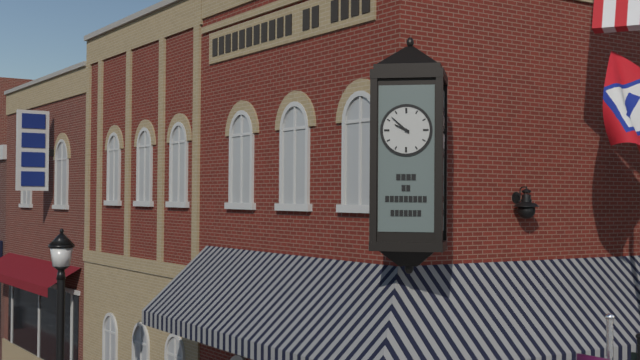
9.52
